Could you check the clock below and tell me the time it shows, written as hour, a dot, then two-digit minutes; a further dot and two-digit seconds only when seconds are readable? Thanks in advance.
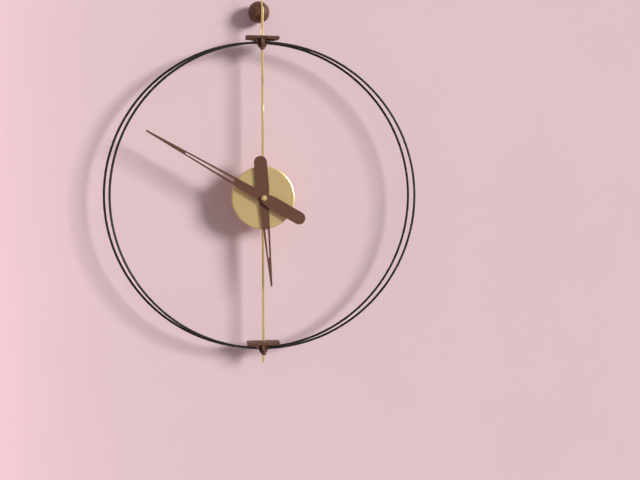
5.50
